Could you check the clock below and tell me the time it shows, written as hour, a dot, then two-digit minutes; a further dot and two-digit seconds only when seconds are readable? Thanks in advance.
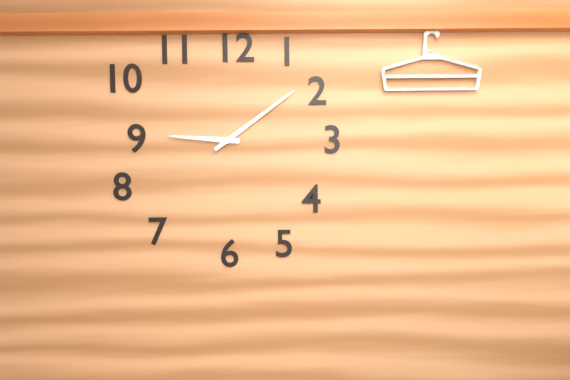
9.09
